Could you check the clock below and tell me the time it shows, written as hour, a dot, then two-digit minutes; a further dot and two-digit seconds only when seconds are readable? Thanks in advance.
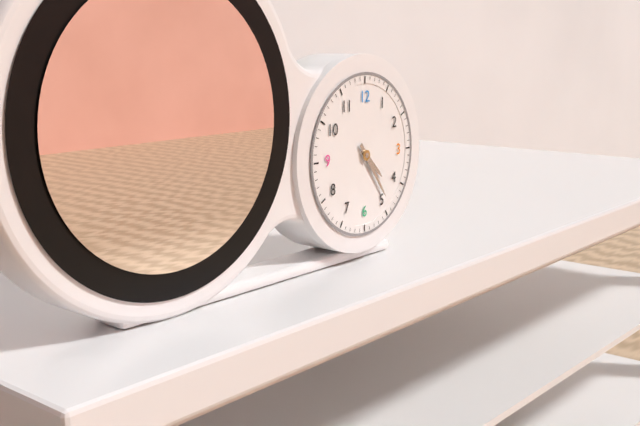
4.24
